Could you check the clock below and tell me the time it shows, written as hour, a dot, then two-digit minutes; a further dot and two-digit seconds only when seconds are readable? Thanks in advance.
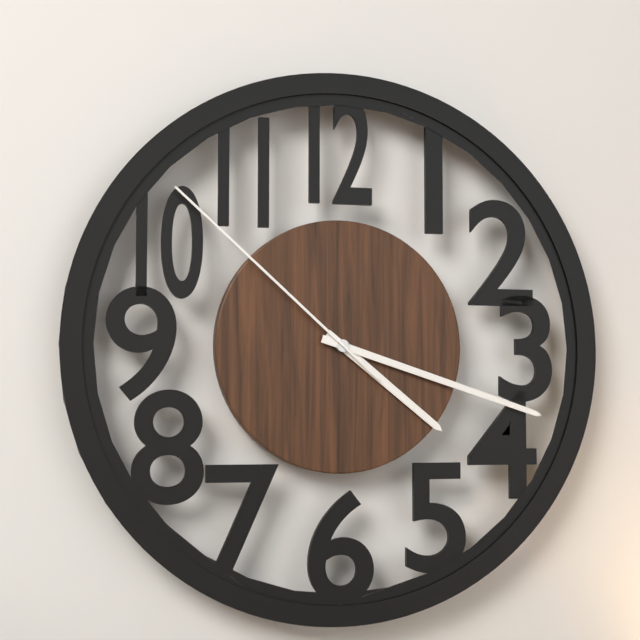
4.18.52
